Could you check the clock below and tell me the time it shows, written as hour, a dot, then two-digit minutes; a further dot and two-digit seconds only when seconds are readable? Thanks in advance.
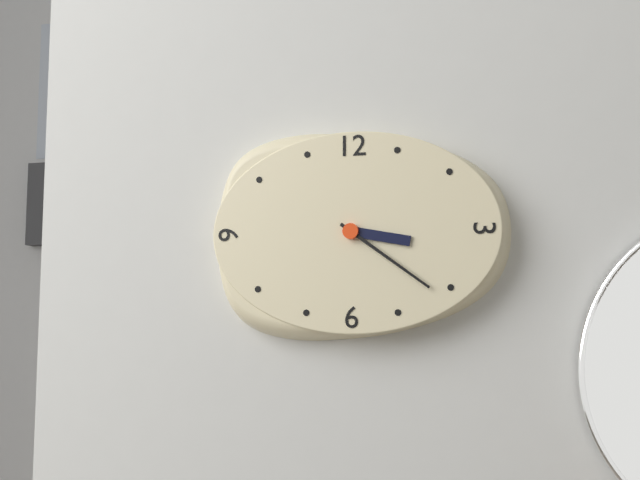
3.21
